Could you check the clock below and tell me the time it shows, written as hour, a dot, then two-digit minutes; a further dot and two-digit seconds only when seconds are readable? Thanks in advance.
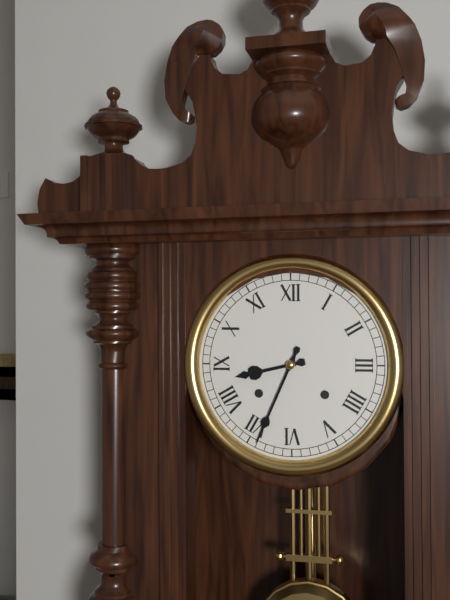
8.34
